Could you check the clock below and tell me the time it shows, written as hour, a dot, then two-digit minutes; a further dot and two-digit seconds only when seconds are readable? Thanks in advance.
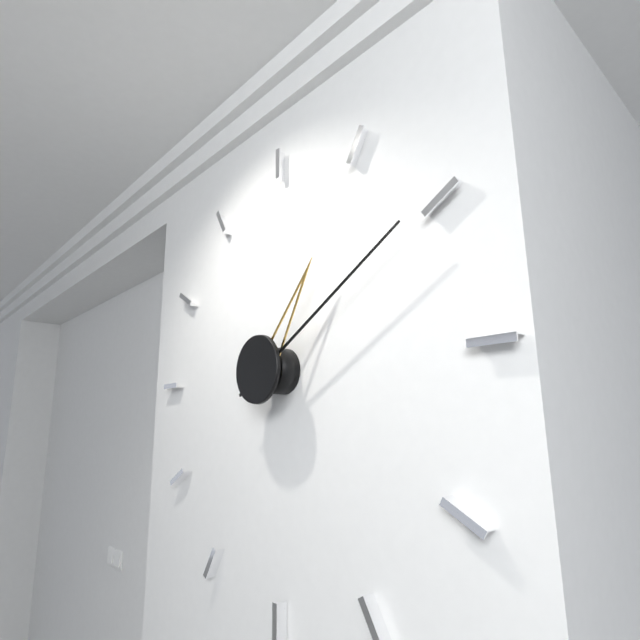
1.10
